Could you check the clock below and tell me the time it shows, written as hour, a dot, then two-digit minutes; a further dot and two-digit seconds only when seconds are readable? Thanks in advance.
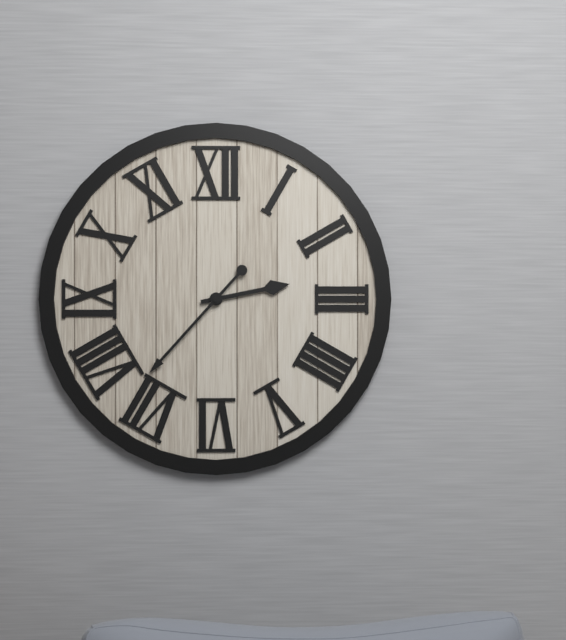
2.37
